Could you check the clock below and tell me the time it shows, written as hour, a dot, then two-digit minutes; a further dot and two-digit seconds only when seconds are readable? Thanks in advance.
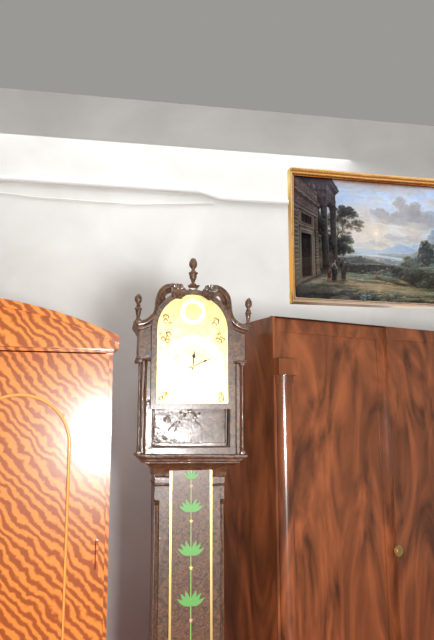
12.11
